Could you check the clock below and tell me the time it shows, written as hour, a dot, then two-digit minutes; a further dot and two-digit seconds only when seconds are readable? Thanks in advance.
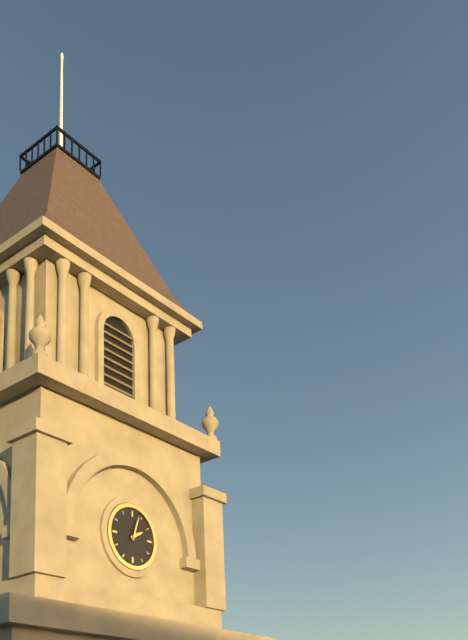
2.03
